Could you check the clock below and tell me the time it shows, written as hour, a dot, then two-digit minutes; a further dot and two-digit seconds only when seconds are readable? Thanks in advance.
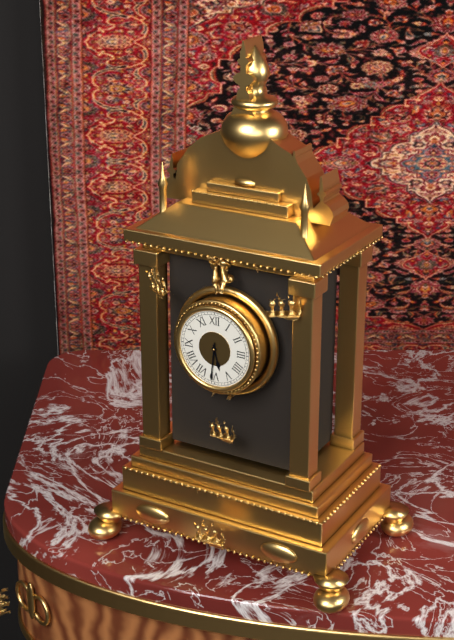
5.31
